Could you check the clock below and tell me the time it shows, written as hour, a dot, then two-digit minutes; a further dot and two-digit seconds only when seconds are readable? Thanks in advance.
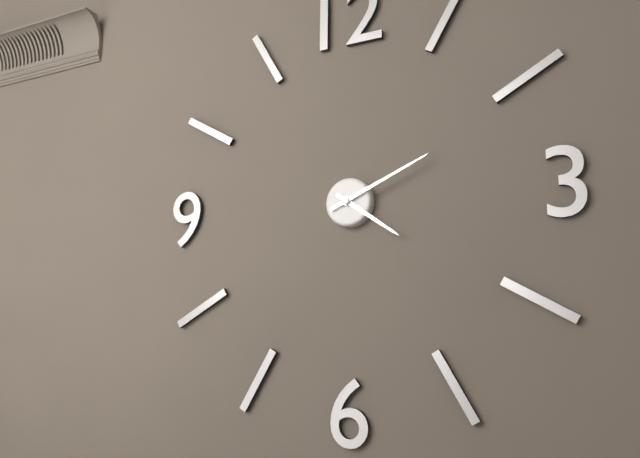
4.11
